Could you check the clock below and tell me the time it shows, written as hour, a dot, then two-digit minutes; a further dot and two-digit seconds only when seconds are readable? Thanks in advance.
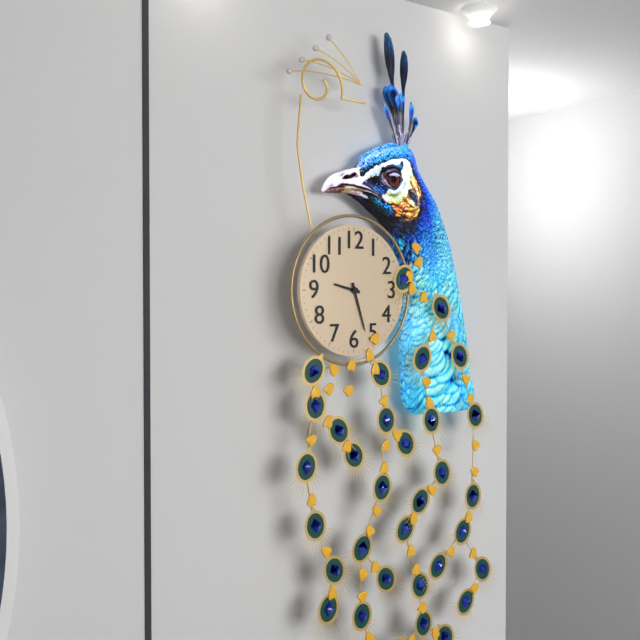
9.27
